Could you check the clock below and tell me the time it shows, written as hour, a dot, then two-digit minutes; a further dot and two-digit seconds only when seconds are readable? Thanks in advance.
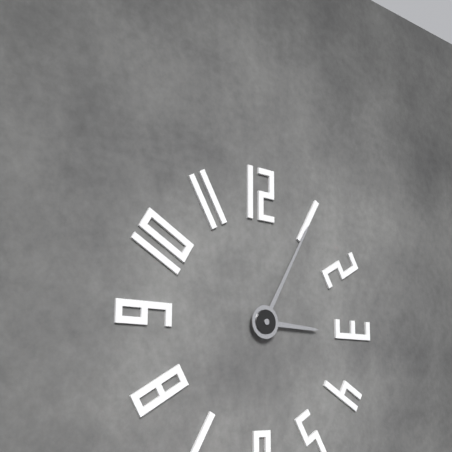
3.05
